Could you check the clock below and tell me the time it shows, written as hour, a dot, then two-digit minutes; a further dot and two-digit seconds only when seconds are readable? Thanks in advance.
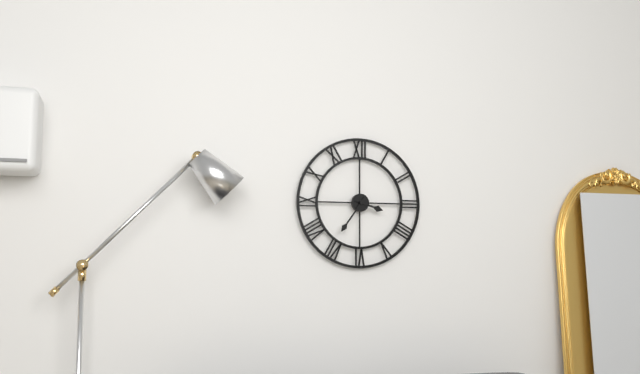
3.36
